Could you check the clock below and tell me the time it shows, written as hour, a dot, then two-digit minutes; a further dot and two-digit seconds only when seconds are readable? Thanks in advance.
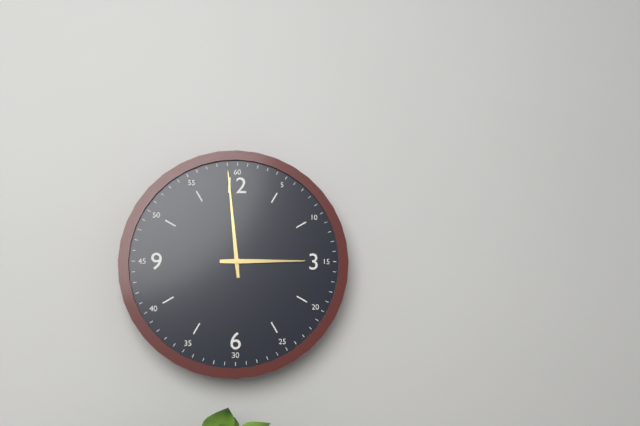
2.59
